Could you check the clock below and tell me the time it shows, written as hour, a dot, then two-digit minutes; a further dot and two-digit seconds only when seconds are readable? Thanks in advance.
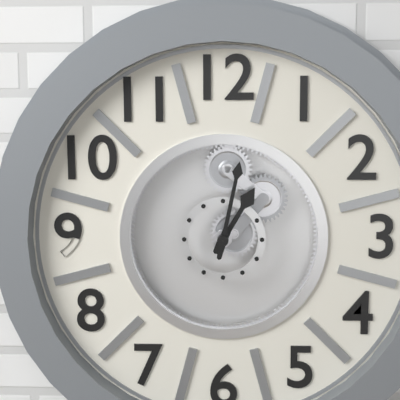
1.02
